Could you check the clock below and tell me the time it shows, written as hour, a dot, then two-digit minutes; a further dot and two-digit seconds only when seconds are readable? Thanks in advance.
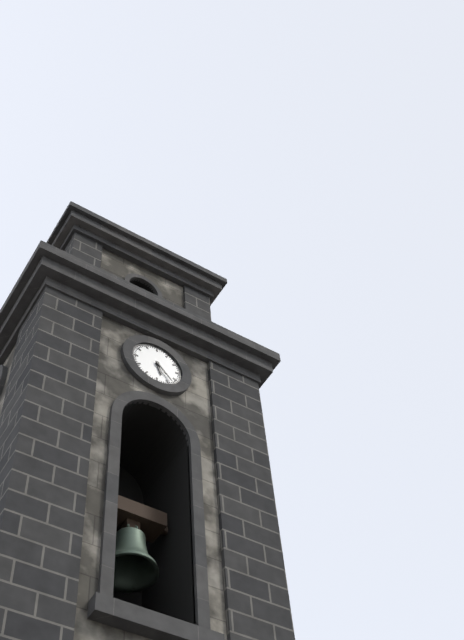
5.23
